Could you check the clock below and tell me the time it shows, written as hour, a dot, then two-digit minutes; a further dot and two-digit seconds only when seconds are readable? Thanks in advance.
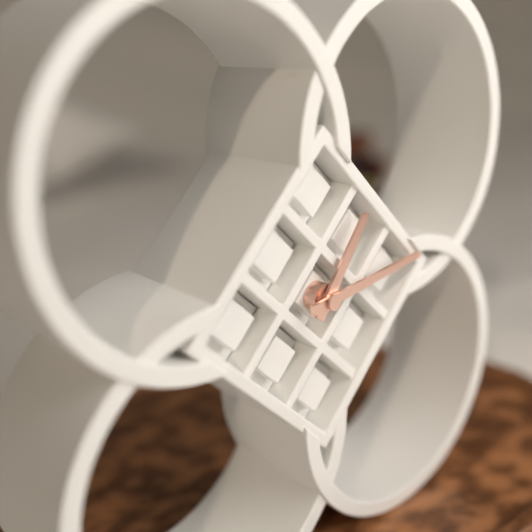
1.14
